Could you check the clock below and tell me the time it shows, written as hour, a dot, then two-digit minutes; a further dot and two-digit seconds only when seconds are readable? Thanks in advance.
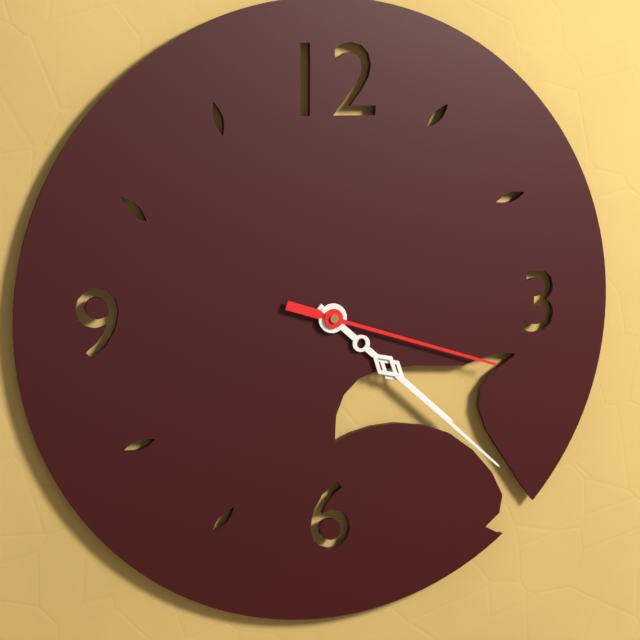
4.22.18
